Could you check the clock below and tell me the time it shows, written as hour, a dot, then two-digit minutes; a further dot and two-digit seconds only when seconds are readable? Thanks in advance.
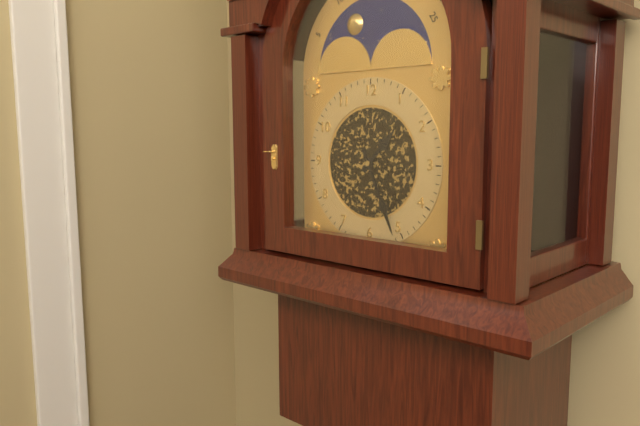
1.26
